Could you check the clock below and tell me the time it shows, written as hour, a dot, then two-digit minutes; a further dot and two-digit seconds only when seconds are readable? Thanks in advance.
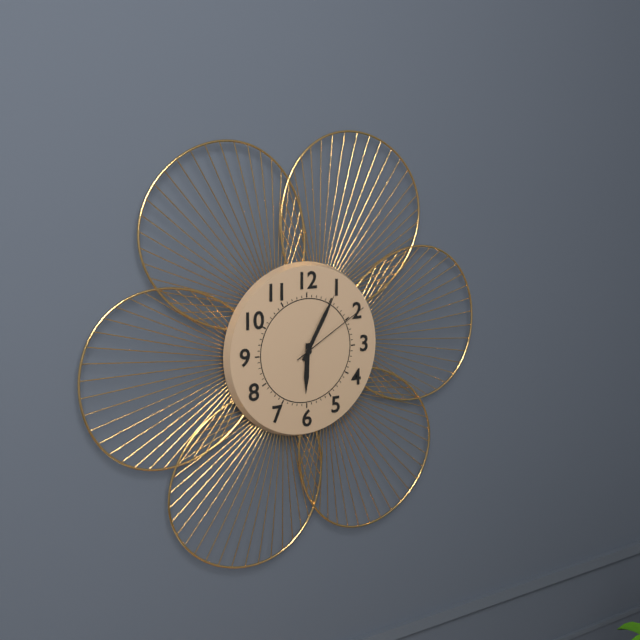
6.05.10
